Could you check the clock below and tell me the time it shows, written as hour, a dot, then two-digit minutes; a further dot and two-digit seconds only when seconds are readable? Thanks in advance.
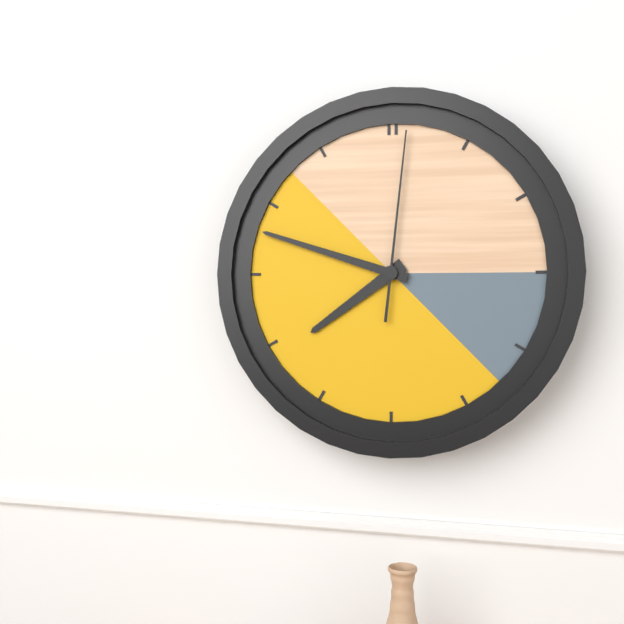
7.48.01
